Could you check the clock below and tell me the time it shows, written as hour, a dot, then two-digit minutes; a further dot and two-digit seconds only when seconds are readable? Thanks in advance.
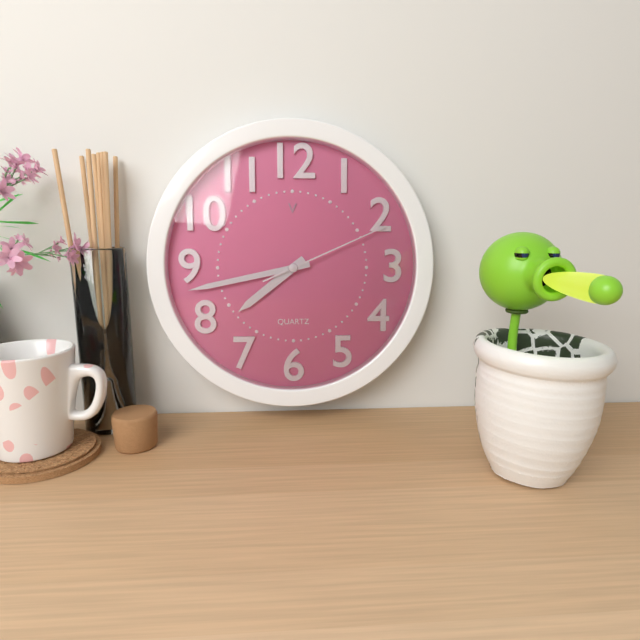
7.43.11
